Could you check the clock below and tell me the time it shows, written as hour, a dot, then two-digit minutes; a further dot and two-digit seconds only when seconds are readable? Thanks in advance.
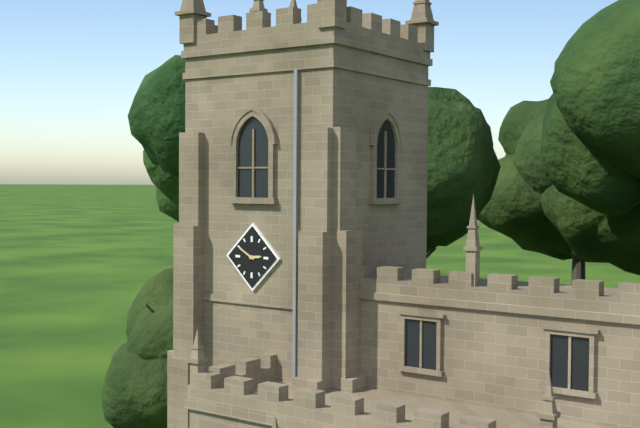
2.50
